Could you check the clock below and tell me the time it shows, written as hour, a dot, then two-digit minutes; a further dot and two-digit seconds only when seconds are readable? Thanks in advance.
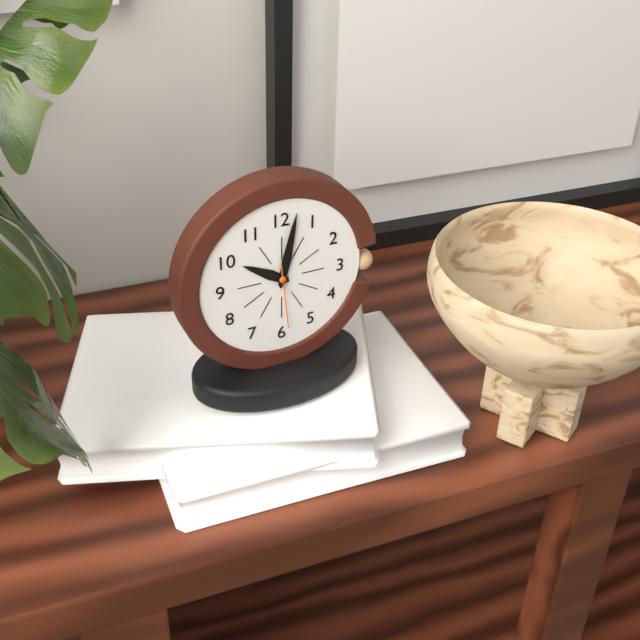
10.02.29
